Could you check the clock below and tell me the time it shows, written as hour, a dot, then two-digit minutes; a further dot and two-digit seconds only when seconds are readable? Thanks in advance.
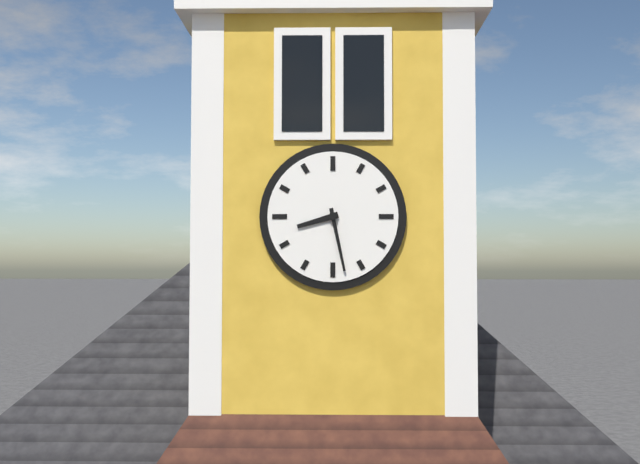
8.28
